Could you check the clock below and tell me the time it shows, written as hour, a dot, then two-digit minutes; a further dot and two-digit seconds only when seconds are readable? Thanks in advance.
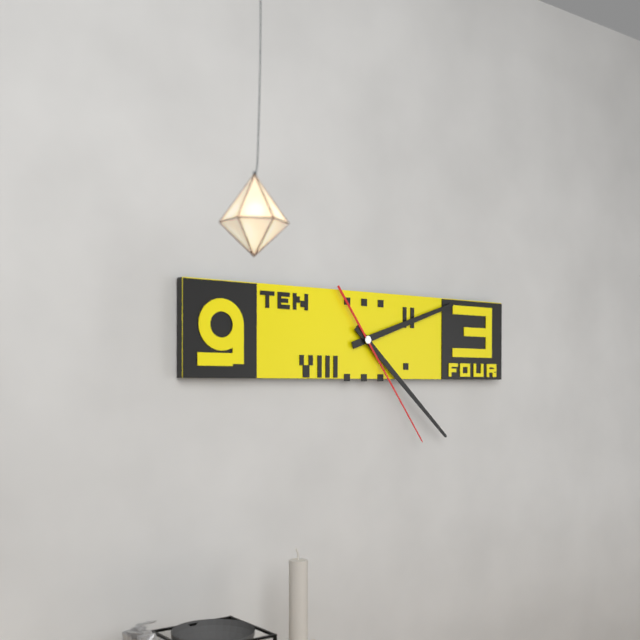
2.22.24
